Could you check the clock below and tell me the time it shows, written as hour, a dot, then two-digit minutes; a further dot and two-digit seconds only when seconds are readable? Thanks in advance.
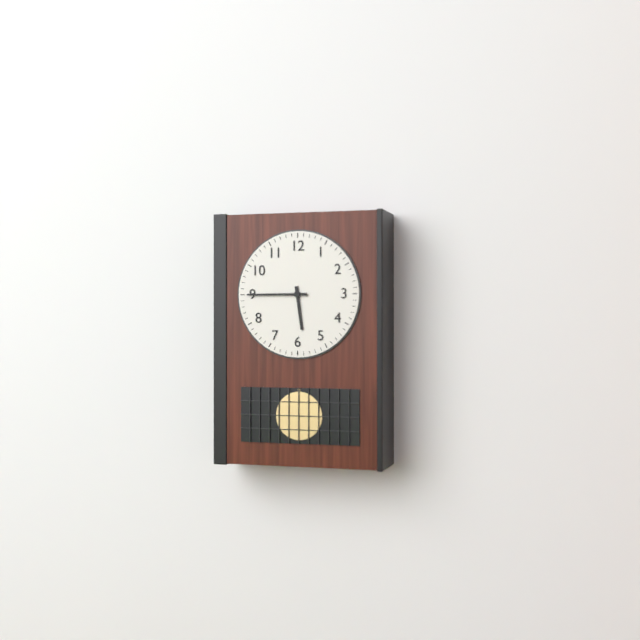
5.45
